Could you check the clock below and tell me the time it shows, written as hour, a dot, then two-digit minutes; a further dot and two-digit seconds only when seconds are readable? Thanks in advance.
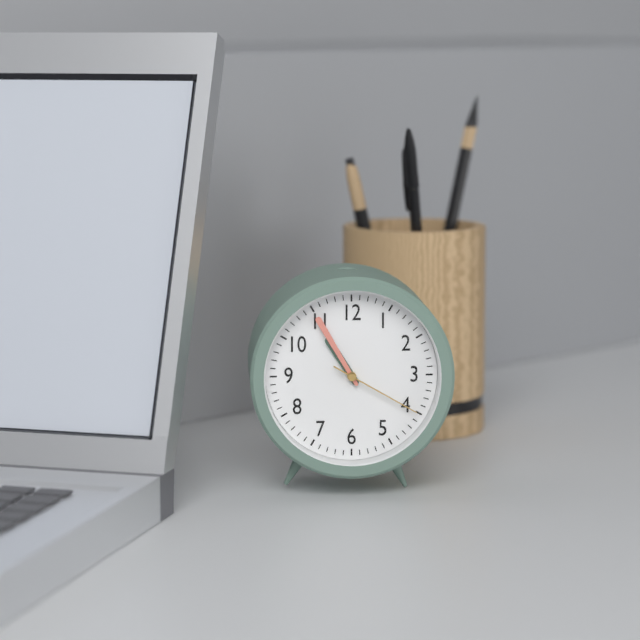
10.55.20
